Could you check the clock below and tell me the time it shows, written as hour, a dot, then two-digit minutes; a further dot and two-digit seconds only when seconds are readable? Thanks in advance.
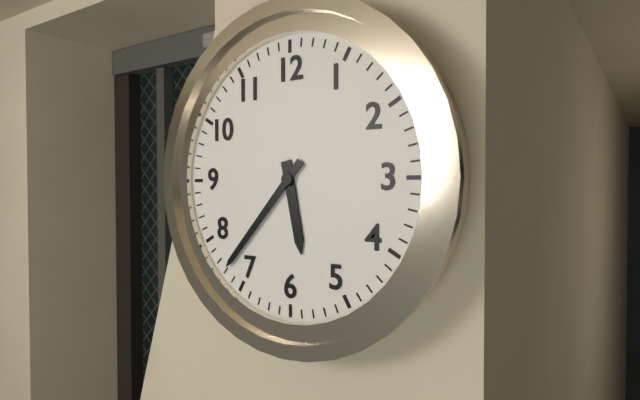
5.37
